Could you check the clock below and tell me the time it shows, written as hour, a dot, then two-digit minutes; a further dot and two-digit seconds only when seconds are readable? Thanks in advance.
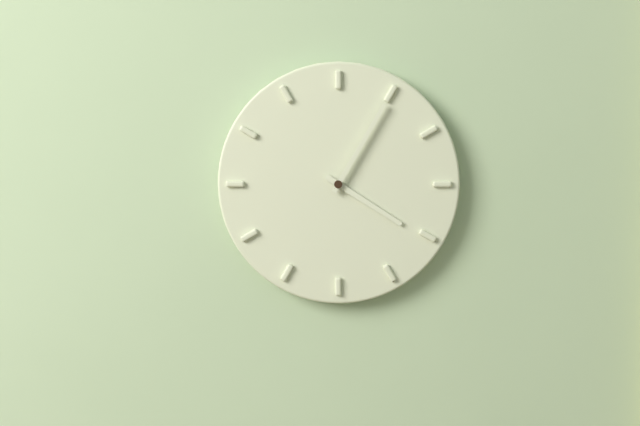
4.05
